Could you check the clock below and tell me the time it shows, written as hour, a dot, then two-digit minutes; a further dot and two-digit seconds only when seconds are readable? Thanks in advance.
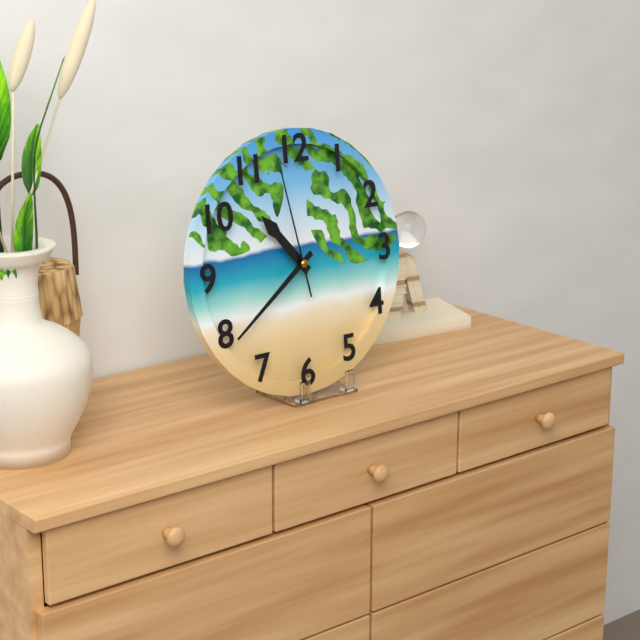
10.39.58
